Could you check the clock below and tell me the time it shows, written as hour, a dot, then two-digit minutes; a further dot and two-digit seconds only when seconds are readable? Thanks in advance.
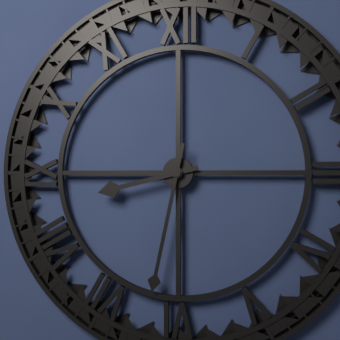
8.32
